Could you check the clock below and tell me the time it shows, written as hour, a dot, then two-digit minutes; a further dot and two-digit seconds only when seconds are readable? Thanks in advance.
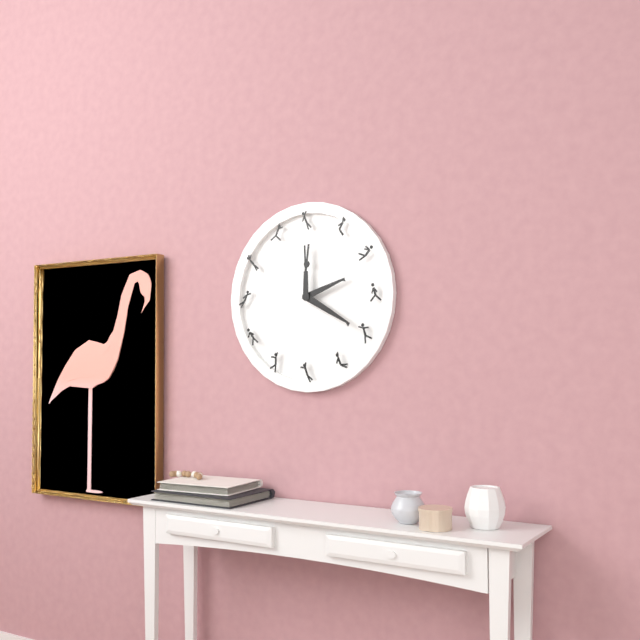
2.20
